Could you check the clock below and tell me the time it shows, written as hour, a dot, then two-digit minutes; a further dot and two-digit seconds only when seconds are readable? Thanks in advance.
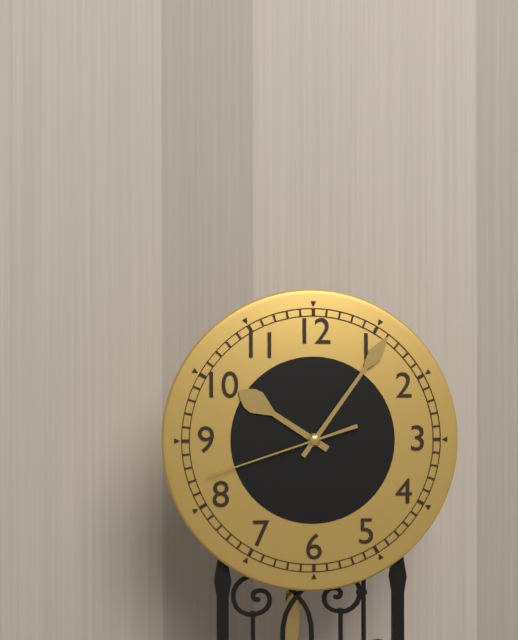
10.06.42
